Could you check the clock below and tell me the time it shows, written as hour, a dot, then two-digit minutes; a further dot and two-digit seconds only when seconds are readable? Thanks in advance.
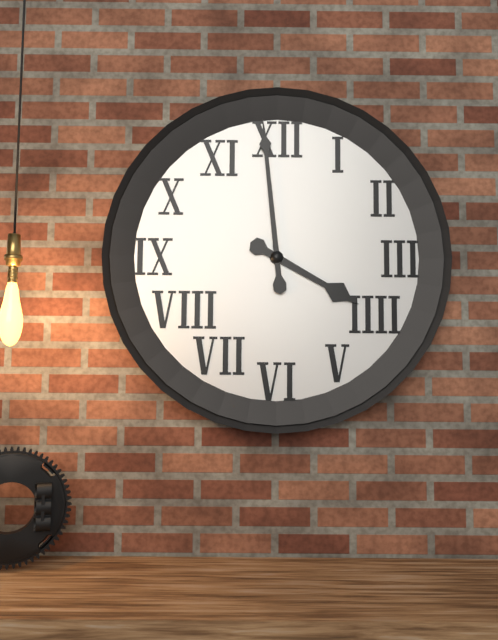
3.59
